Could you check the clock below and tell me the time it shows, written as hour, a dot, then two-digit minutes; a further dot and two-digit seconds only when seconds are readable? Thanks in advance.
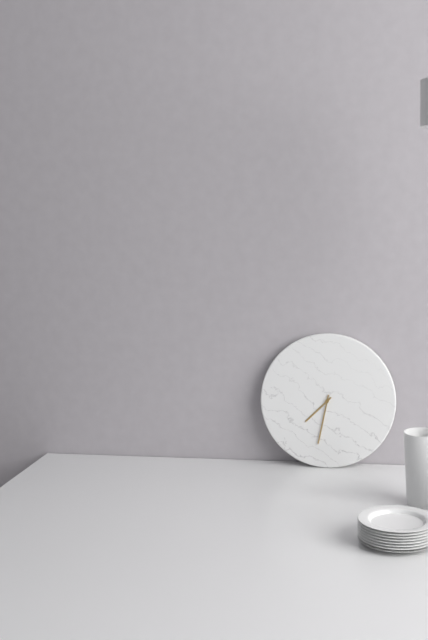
7.32
